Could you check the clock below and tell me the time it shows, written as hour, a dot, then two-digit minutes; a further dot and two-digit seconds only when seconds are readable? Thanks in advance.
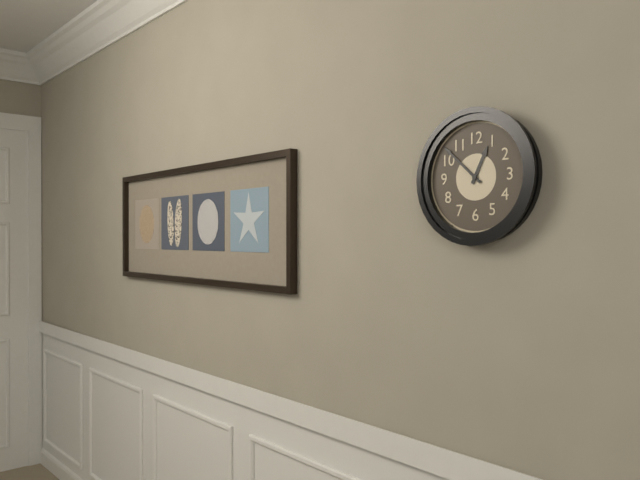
12.52
